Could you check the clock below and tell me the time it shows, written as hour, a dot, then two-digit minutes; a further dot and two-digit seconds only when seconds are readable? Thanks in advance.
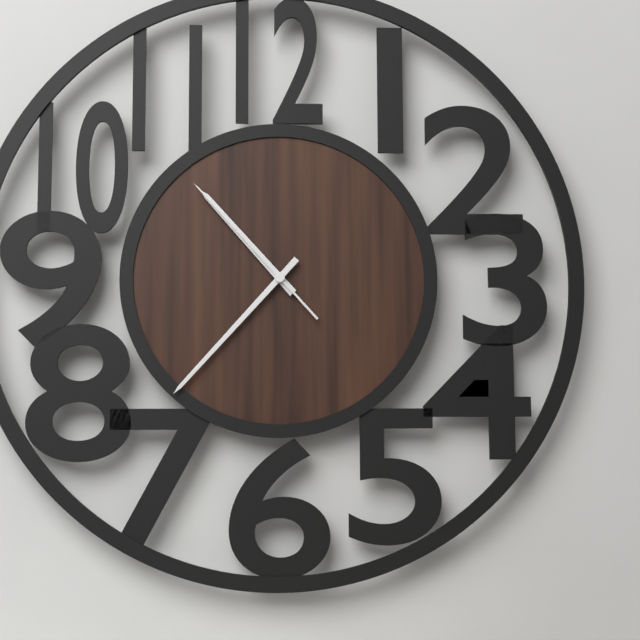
10.37.53
